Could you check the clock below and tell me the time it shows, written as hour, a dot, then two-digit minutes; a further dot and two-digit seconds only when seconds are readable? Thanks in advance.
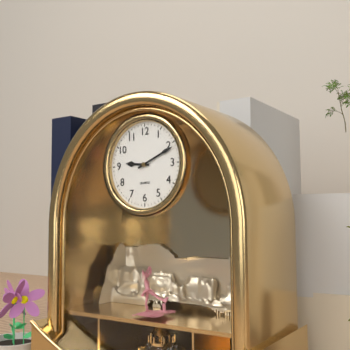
9.11
